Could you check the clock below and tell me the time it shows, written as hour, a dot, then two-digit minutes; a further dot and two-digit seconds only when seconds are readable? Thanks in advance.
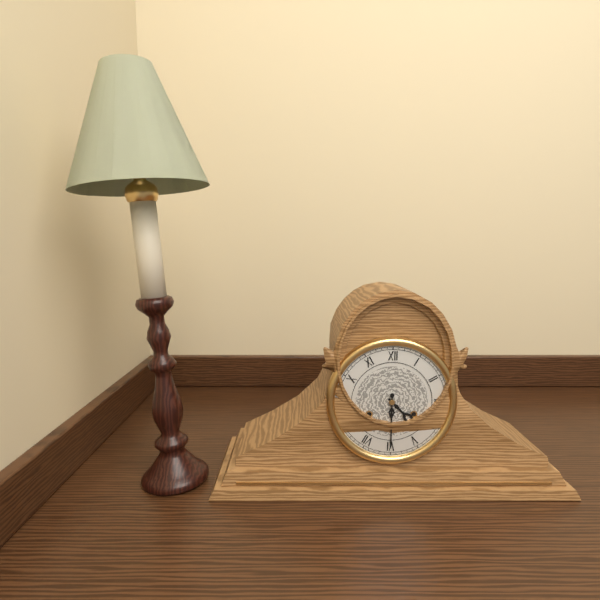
4.30
